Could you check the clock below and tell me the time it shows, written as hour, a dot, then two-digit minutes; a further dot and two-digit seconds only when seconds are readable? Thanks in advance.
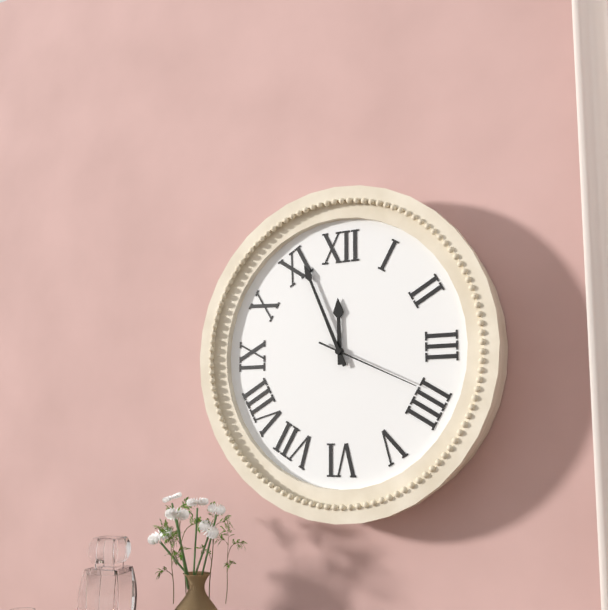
11.56.19
